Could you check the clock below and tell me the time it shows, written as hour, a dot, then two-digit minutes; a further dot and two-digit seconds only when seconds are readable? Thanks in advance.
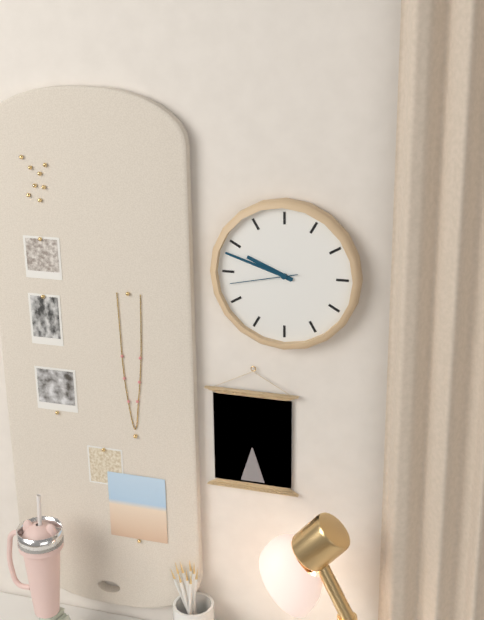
9.48.43
